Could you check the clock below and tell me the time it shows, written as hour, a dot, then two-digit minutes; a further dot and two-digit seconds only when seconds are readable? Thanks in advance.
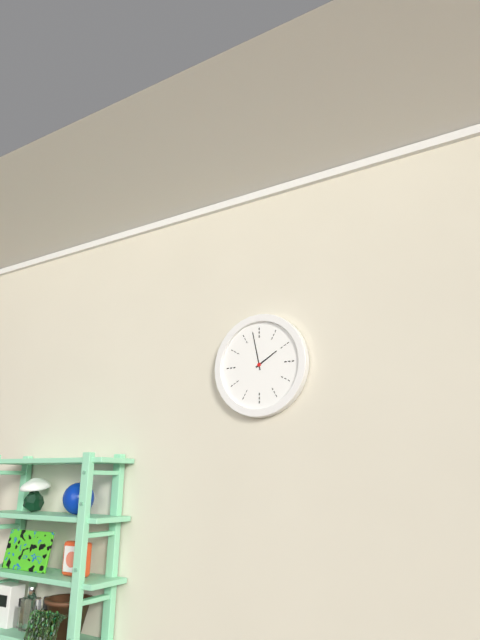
1.58
